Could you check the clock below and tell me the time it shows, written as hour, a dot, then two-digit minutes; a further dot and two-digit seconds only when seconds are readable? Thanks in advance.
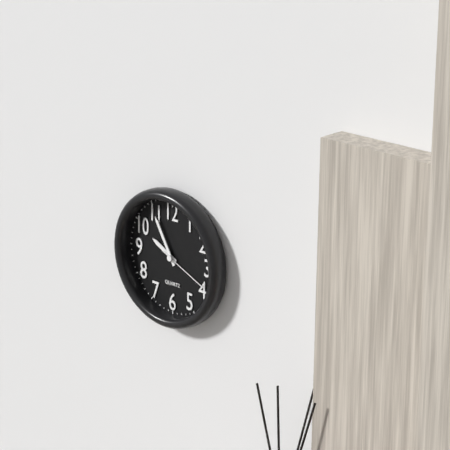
9.55.19
